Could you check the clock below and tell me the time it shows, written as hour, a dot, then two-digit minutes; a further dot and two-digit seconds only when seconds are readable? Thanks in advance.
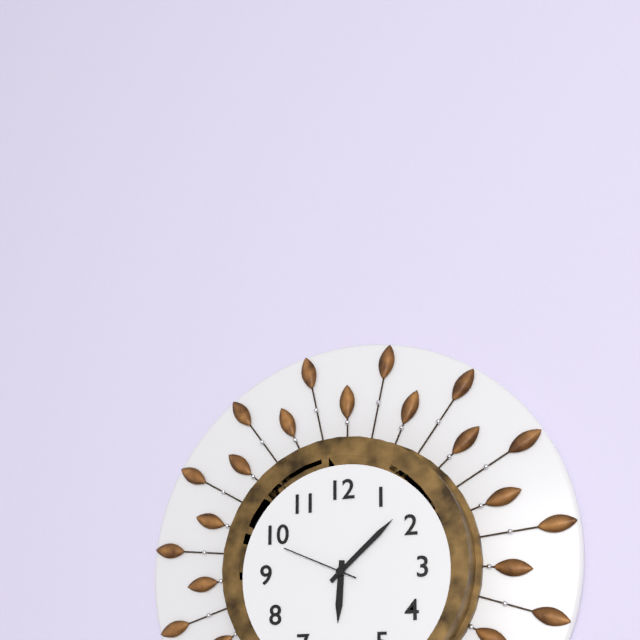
6.08.49
